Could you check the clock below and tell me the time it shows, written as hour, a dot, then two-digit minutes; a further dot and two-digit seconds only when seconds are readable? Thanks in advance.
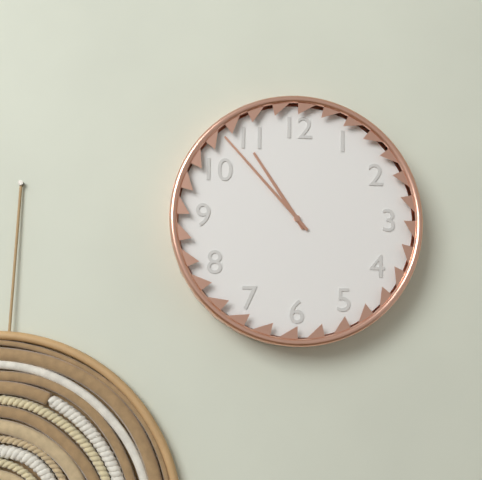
10.53
